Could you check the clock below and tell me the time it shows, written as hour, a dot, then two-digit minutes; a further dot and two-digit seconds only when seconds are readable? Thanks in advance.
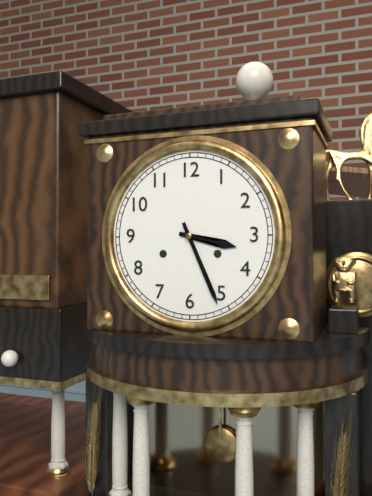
3.26
